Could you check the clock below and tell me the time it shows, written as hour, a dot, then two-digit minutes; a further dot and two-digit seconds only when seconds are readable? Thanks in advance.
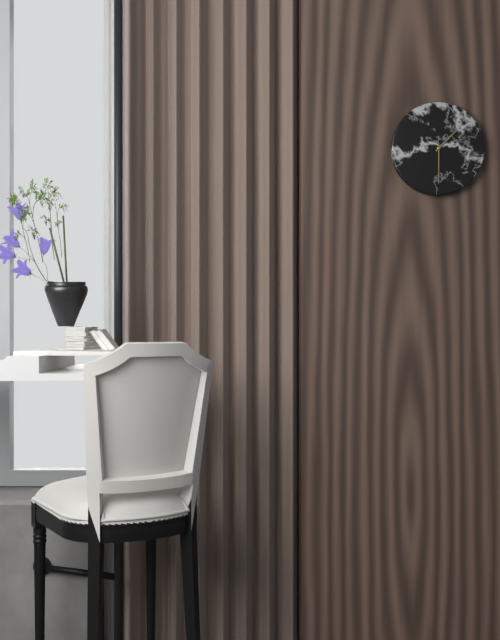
1.30
